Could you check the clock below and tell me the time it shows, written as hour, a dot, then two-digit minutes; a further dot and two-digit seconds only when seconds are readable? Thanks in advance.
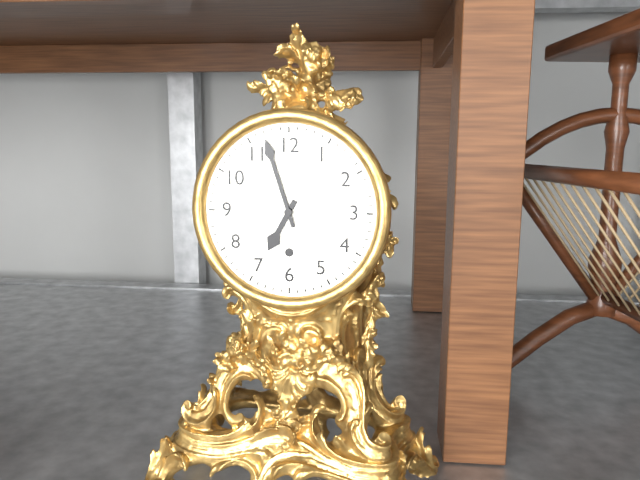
6.57
